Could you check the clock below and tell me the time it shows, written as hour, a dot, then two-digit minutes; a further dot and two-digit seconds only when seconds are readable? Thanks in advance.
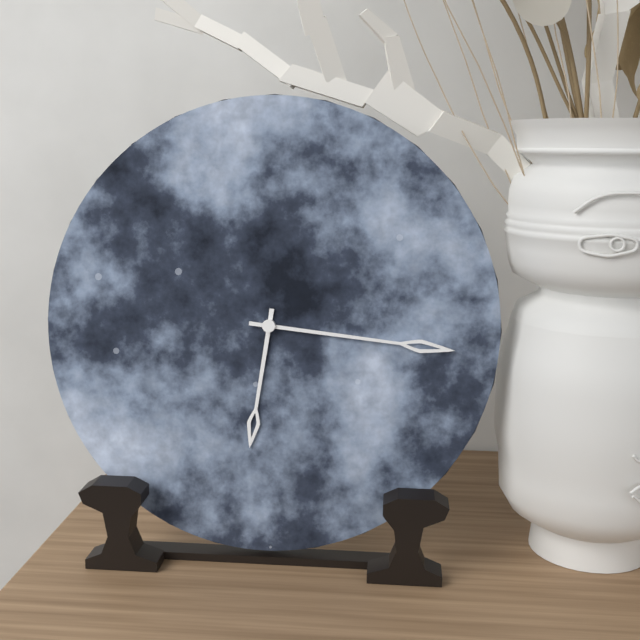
6.16
